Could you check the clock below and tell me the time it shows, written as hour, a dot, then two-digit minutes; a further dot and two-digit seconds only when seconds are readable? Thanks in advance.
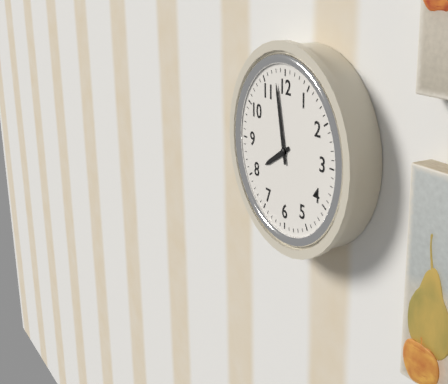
7.58
